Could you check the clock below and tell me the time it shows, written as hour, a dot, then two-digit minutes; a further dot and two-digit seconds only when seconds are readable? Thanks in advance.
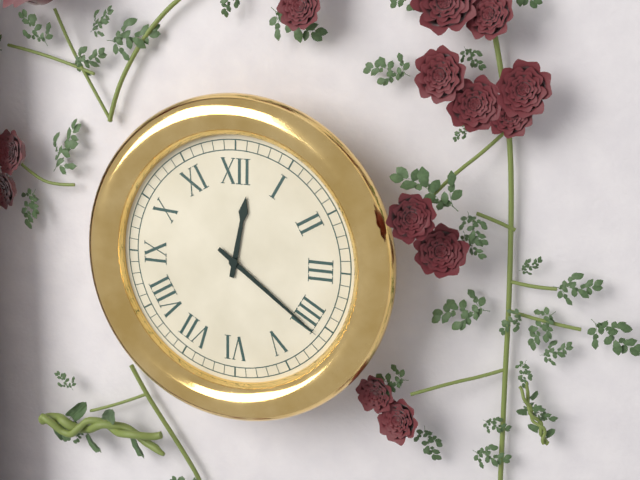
12.21
